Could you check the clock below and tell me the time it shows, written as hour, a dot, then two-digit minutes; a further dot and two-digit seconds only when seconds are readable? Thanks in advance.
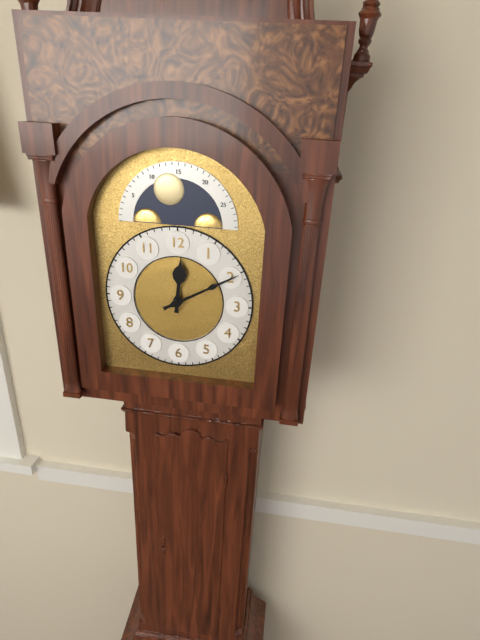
12.10
